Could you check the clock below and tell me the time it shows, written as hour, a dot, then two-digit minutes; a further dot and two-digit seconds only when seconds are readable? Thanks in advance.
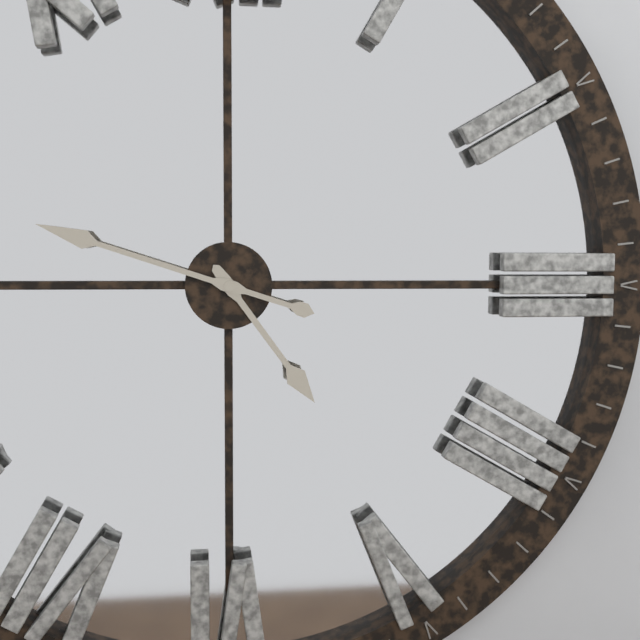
4.48
